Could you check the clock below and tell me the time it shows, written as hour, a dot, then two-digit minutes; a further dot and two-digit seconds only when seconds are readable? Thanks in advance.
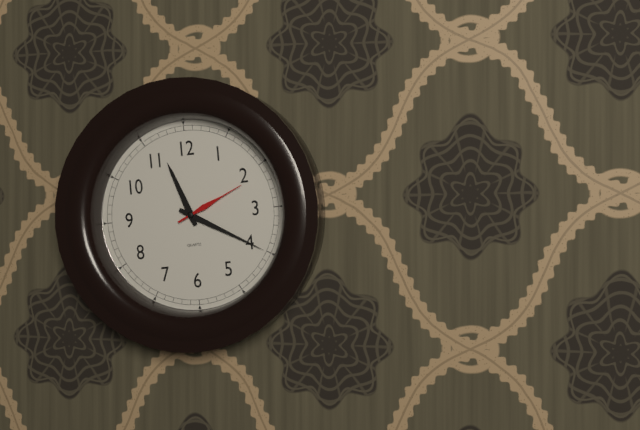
11.20.11
